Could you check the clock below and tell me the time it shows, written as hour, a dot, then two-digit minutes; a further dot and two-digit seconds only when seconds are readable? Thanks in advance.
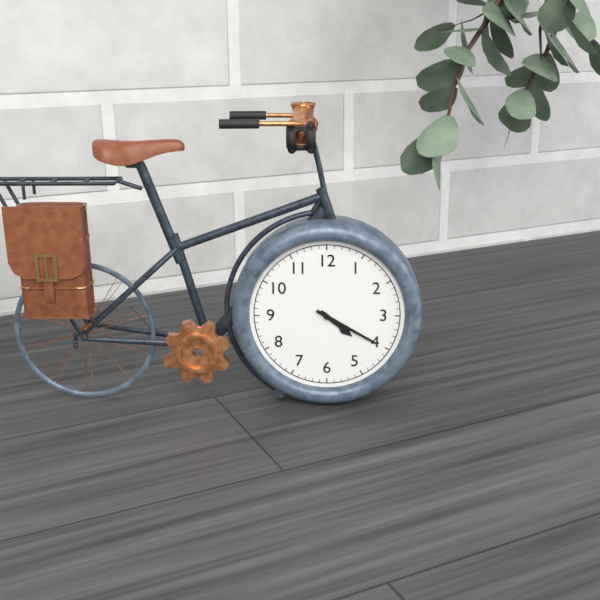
4.20
